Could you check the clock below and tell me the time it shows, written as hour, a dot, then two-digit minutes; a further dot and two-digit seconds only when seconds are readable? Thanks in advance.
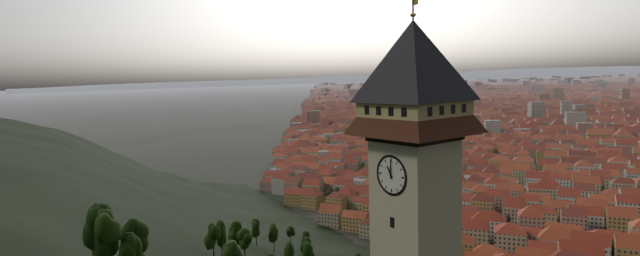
11.00
